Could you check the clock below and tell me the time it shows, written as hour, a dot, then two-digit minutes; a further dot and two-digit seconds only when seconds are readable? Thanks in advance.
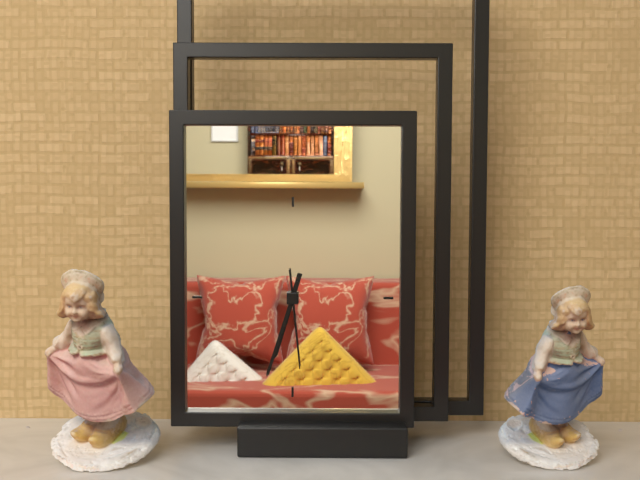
6.33.29
